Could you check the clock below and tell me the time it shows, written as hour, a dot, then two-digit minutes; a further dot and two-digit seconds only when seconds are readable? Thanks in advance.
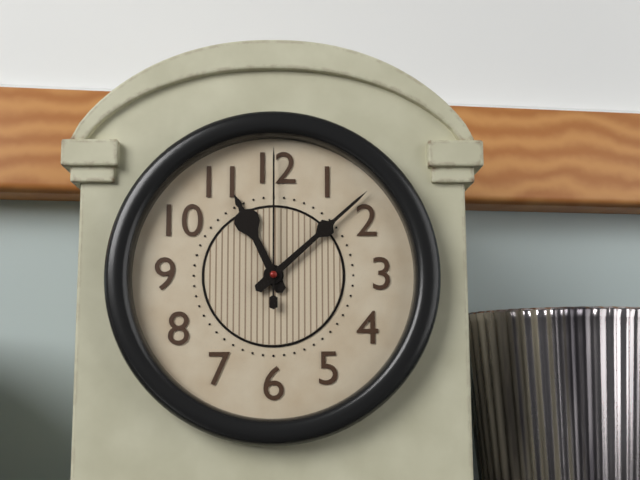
11.08.00
